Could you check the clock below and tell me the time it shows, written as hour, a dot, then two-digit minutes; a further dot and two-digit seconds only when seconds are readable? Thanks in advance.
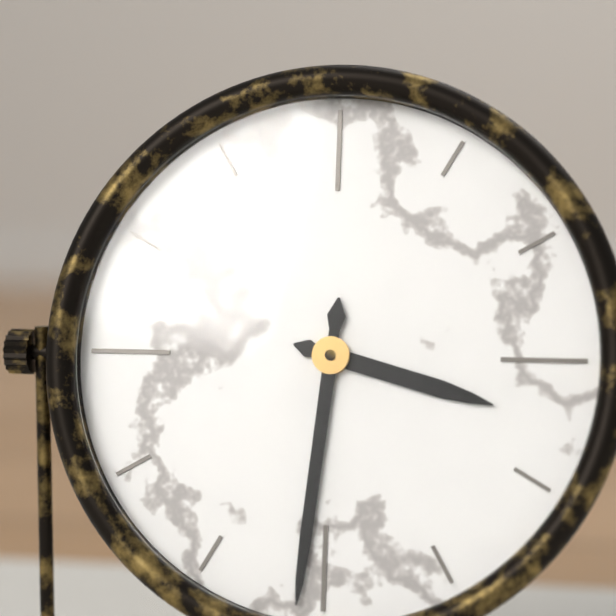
3.31
